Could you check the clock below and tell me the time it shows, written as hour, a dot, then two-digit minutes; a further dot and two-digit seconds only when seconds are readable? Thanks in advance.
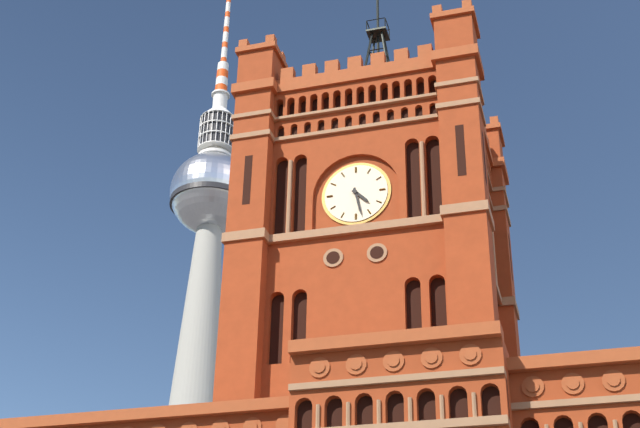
4.28
